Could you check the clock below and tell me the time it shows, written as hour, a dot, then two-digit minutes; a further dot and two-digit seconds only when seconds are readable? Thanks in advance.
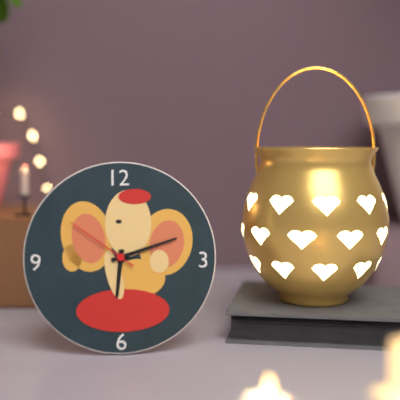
6.12.51
